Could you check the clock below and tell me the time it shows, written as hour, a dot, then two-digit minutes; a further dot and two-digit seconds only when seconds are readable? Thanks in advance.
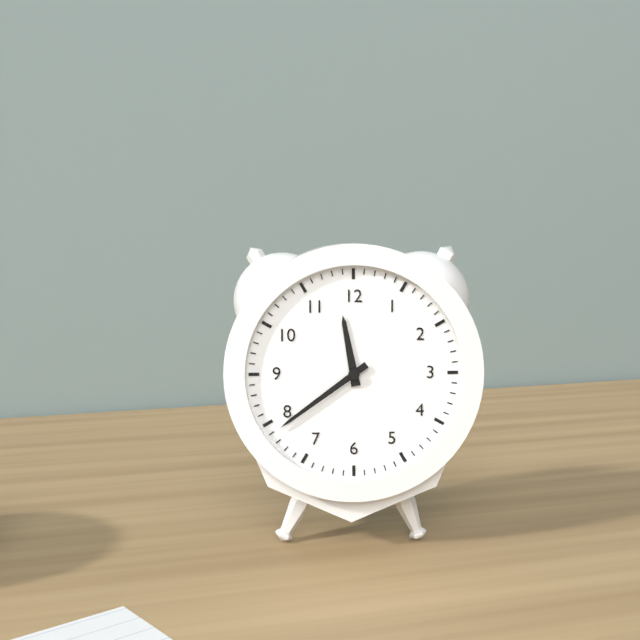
11.39
